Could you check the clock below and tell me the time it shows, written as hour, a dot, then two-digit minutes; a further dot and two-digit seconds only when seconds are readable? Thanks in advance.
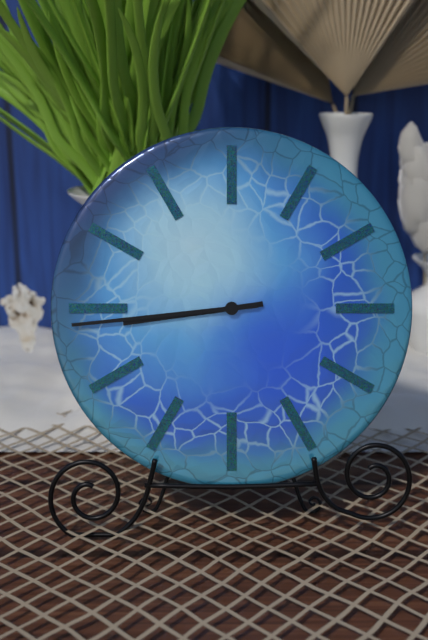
8.44
